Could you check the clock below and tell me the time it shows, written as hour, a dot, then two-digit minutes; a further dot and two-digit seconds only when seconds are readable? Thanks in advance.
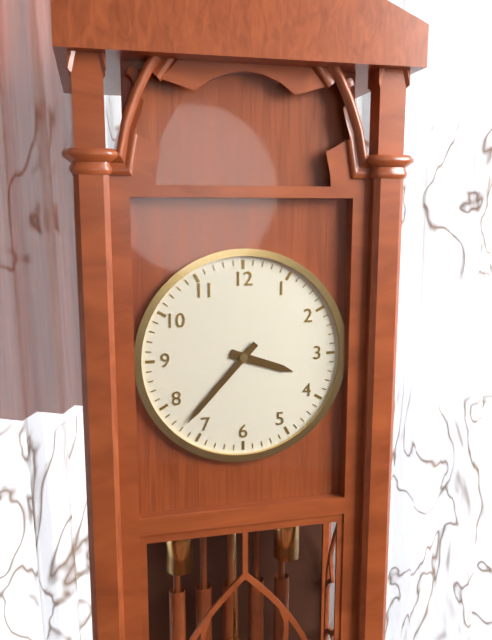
3.37
